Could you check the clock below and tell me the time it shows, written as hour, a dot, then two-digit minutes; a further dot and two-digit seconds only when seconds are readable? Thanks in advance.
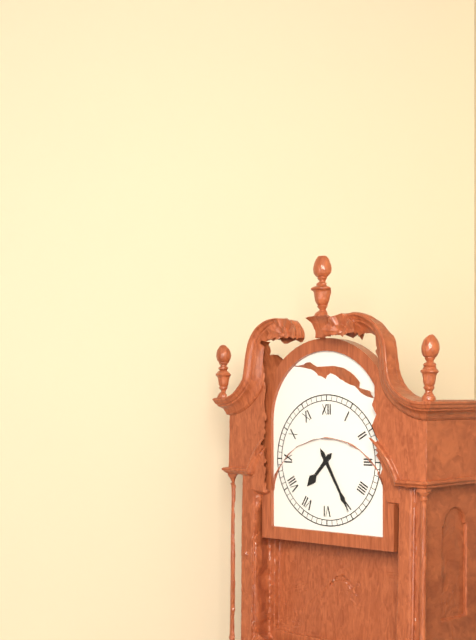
7.25
